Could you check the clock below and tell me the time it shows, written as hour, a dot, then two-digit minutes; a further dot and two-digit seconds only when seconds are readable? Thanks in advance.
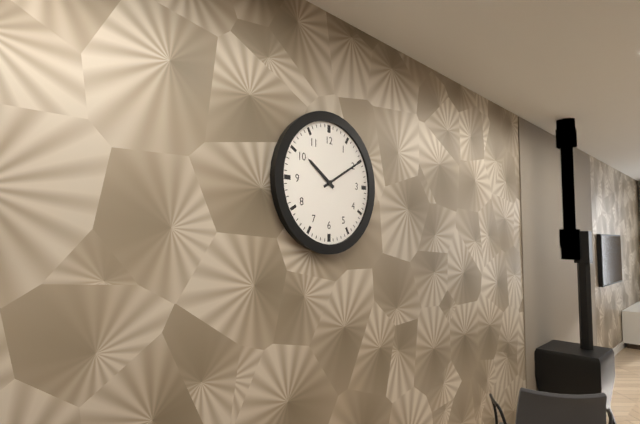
10.10
